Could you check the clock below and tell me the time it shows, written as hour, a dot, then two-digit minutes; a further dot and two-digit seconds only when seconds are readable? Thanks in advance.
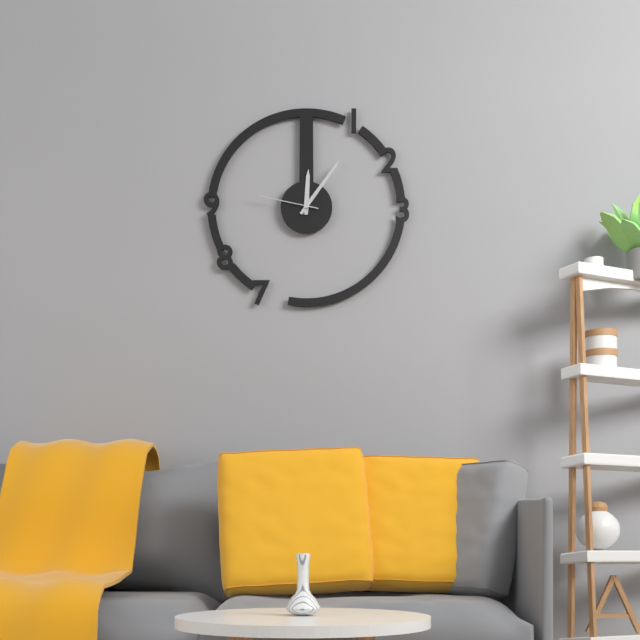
12.06.47
